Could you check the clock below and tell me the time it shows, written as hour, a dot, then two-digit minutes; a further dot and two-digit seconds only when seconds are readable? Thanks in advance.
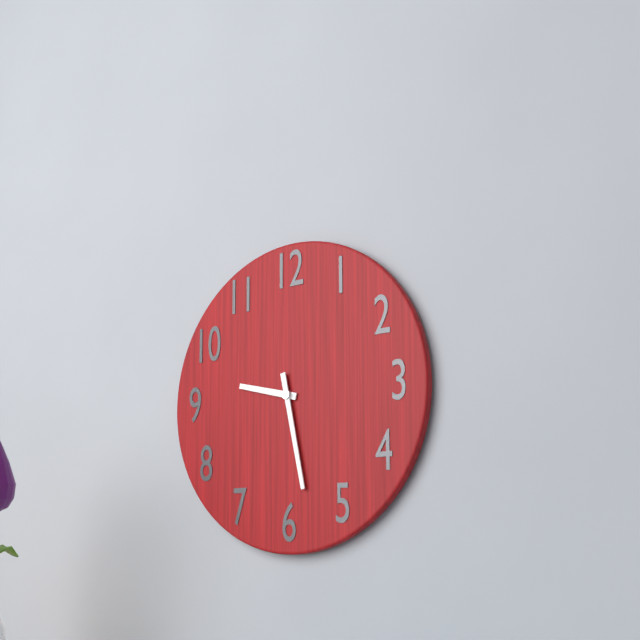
9.28
